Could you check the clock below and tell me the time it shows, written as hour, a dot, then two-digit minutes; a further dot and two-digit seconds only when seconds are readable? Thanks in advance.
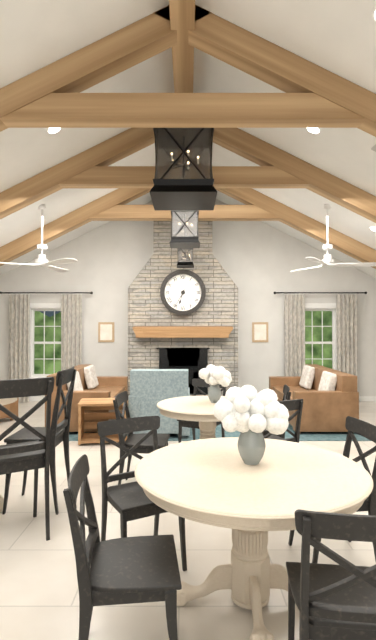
6.35
